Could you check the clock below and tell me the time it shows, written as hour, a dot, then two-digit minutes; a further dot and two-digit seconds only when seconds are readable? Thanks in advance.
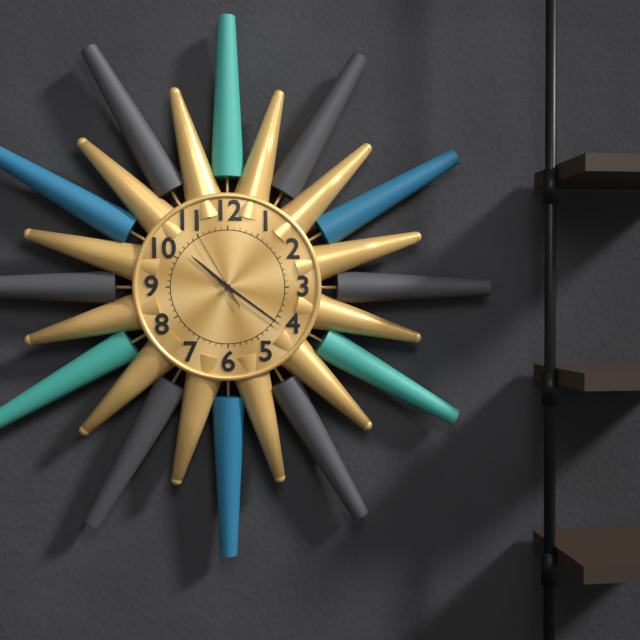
10.21.55
